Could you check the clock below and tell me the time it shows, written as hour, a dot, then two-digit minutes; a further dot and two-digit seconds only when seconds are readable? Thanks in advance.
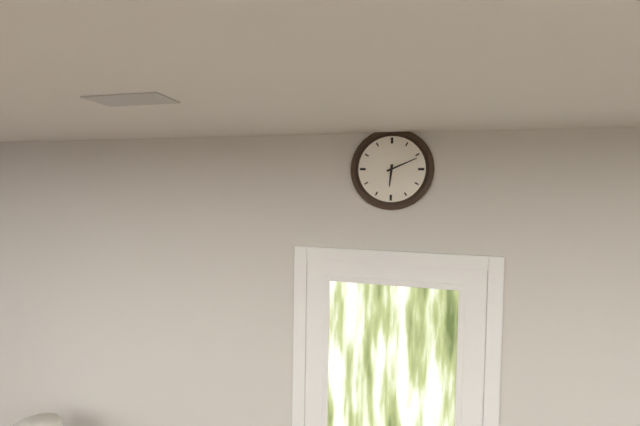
6.11
